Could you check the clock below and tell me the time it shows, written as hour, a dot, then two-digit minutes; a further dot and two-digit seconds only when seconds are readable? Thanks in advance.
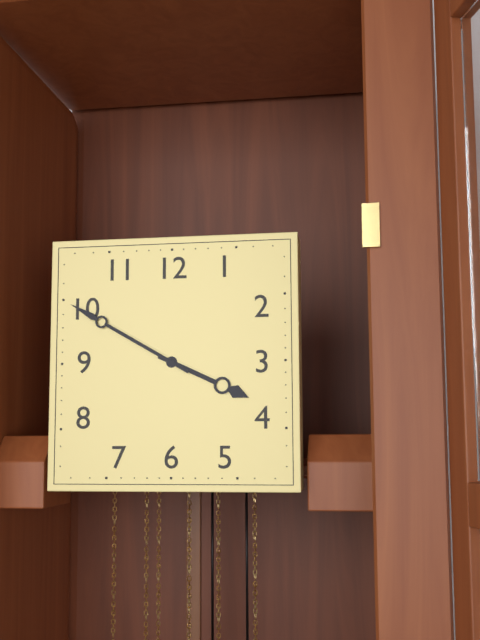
3.50
